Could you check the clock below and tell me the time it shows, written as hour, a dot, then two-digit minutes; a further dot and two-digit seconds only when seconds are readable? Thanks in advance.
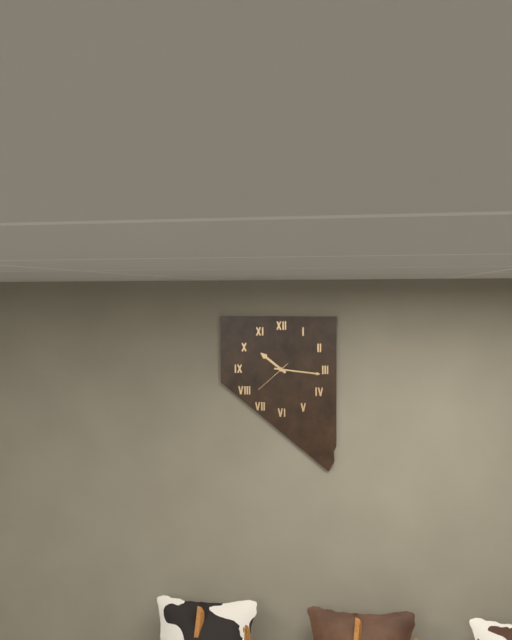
10.16
